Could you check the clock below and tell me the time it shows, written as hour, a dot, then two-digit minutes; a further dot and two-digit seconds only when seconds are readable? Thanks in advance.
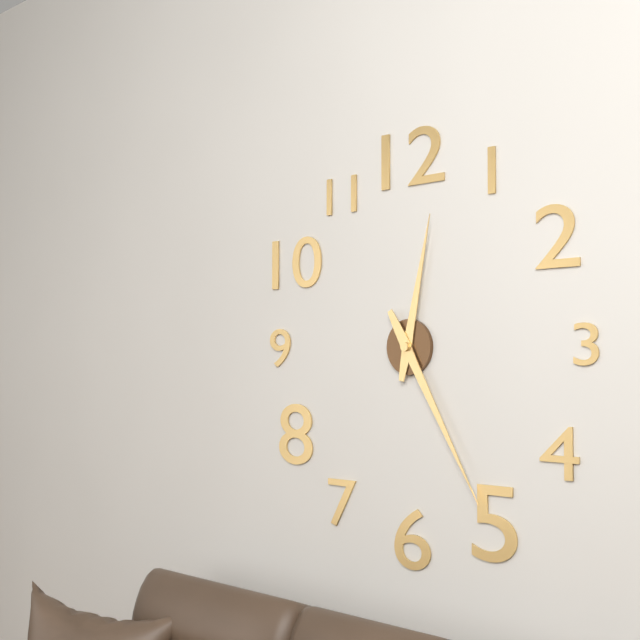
12.25
